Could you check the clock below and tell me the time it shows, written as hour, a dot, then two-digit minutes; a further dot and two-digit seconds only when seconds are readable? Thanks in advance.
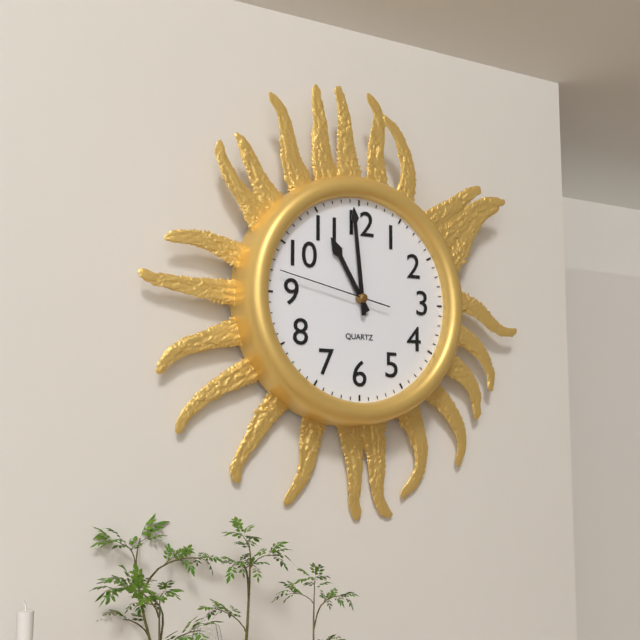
10.59.47
